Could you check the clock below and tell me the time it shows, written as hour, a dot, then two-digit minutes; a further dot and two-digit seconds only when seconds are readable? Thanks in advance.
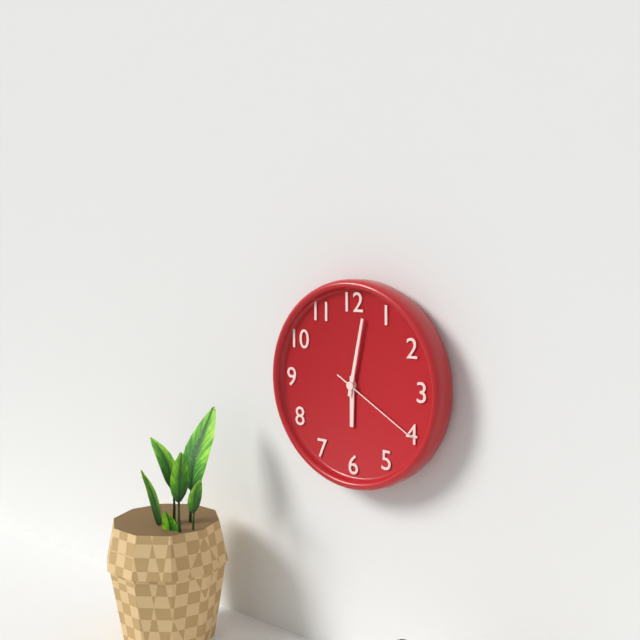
6.02.20
